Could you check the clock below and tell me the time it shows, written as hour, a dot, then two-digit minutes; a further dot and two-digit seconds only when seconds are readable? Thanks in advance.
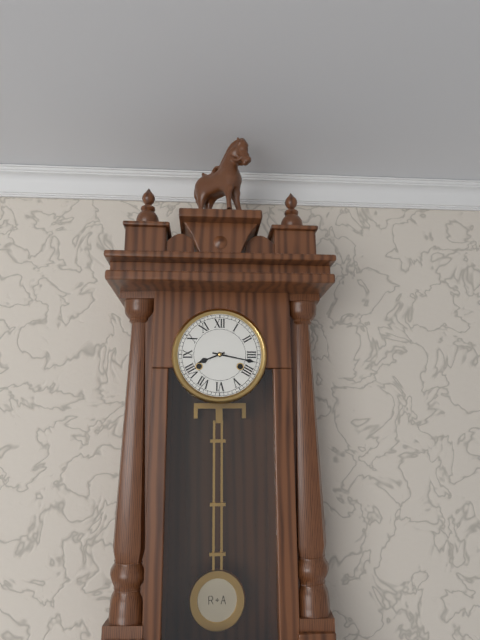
8.17
